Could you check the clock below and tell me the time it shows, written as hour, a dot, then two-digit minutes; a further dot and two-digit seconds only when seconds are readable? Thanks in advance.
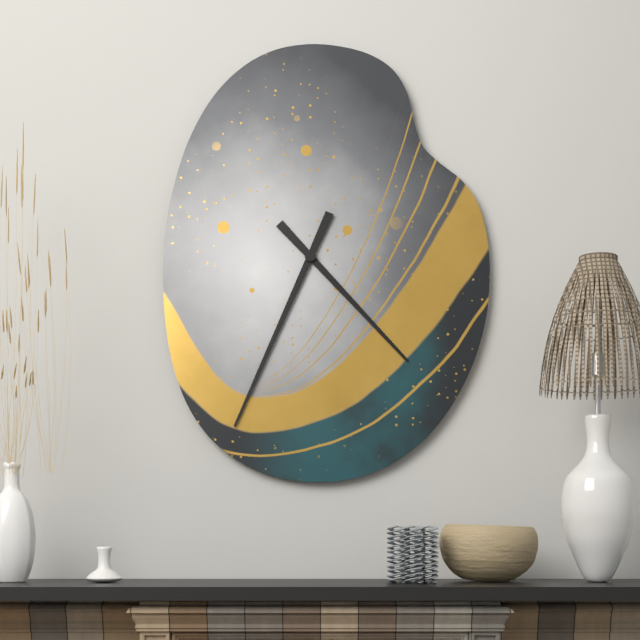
4.34
